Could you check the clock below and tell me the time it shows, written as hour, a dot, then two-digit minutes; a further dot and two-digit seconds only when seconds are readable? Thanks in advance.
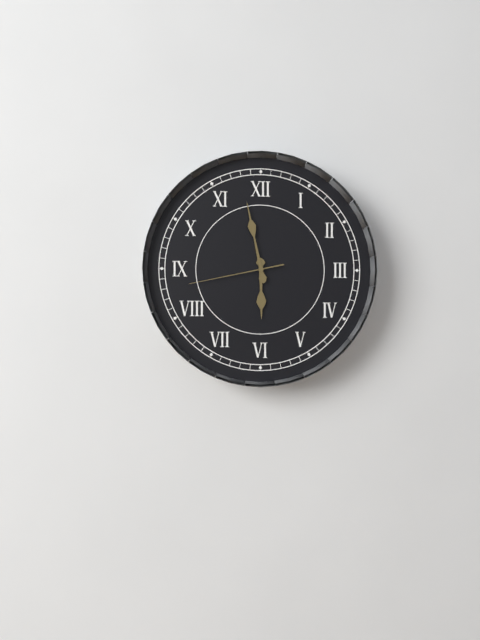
5.58.43
